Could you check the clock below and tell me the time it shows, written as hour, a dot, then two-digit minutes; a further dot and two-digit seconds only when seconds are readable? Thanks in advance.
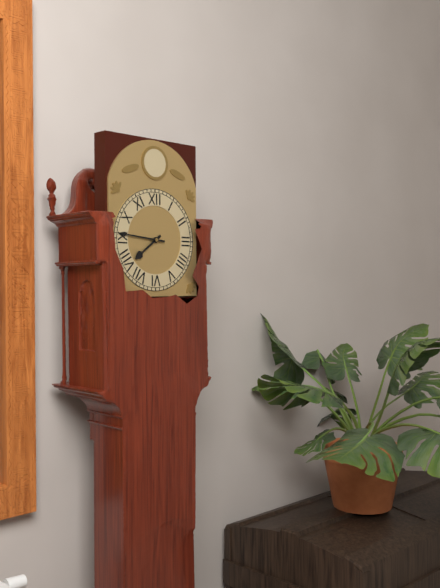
7.46
